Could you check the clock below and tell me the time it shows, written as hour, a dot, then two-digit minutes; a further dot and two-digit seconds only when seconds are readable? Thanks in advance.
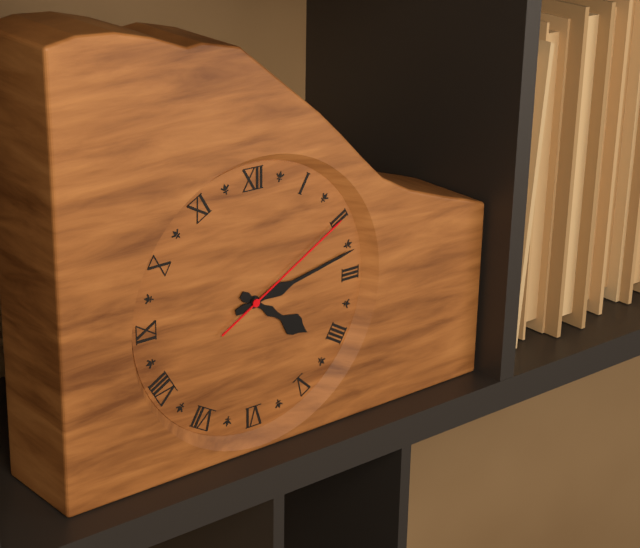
4.13.10
